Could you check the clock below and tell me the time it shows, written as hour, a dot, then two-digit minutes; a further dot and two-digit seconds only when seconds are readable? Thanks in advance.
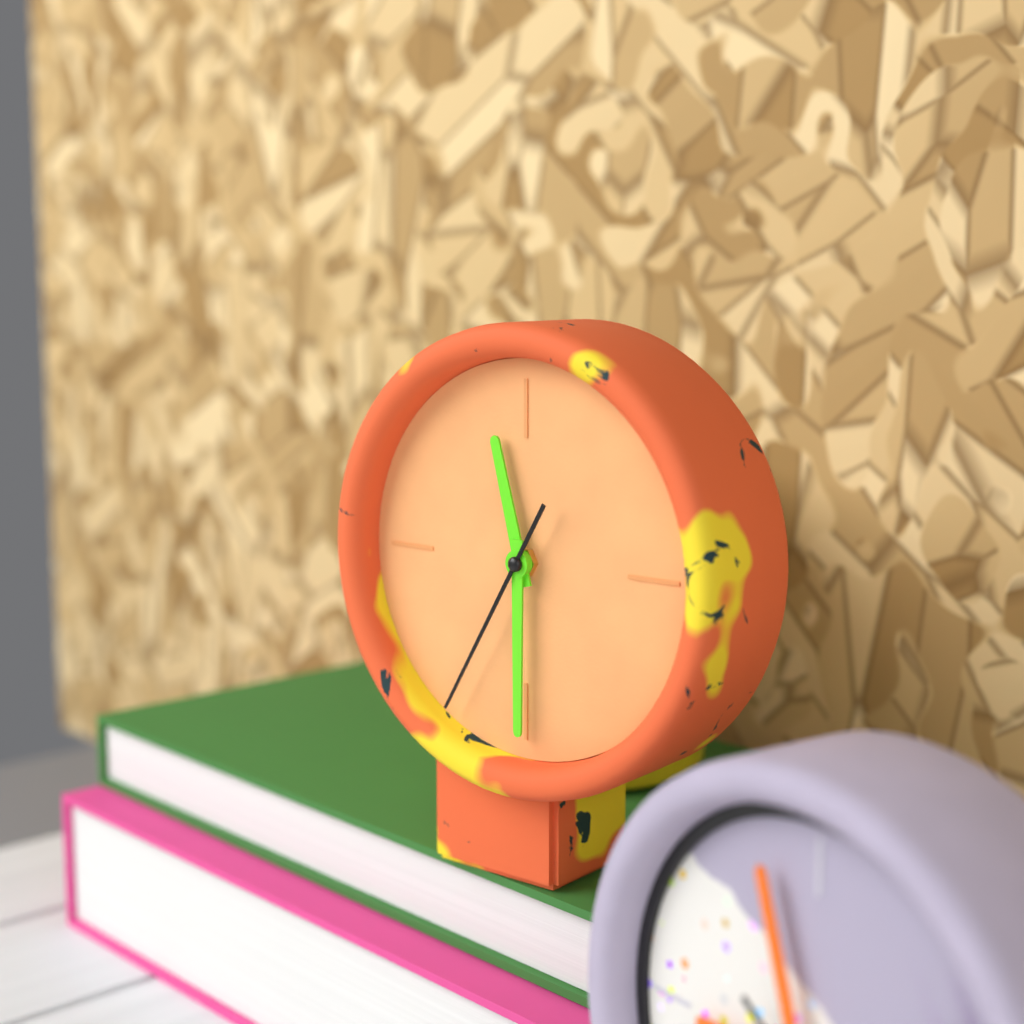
11.30.35
